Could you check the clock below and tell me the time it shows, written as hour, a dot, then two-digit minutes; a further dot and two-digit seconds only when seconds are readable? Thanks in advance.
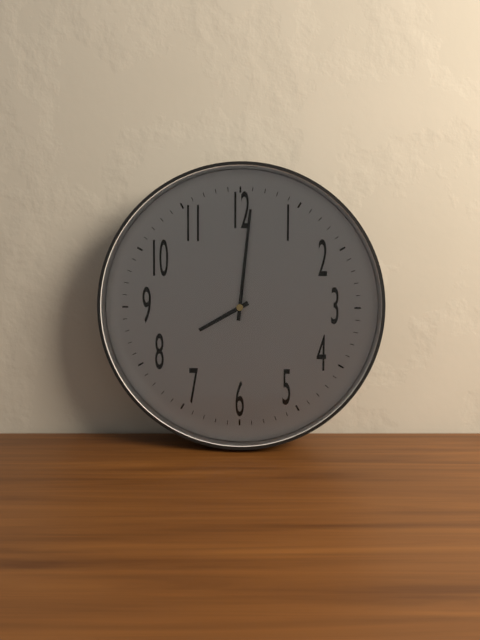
8.01
